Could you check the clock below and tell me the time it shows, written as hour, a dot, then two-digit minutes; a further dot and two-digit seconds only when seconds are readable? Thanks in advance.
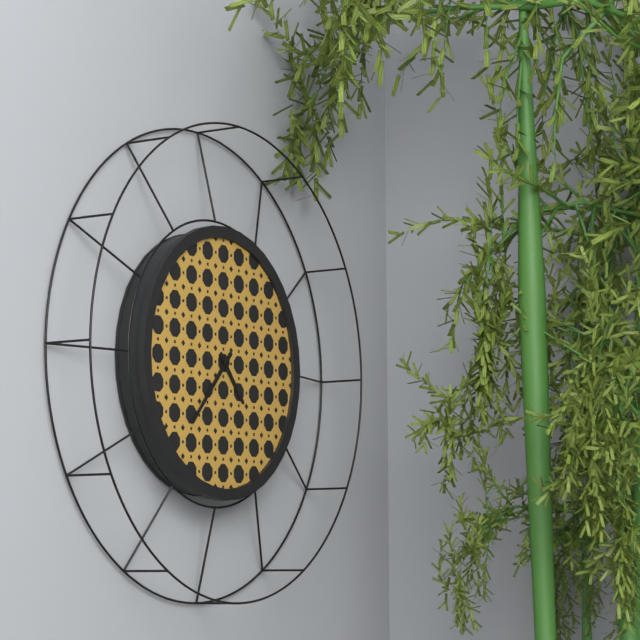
4.37
